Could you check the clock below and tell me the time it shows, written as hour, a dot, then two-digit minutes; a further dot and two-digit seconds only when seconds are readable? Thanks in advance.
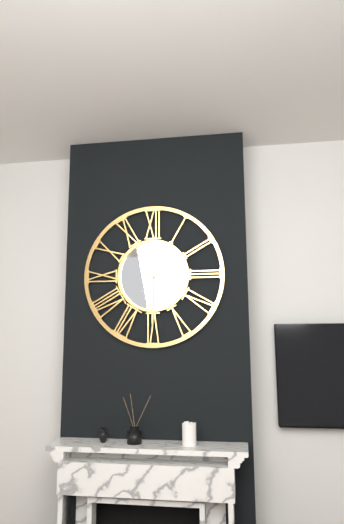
3.30
